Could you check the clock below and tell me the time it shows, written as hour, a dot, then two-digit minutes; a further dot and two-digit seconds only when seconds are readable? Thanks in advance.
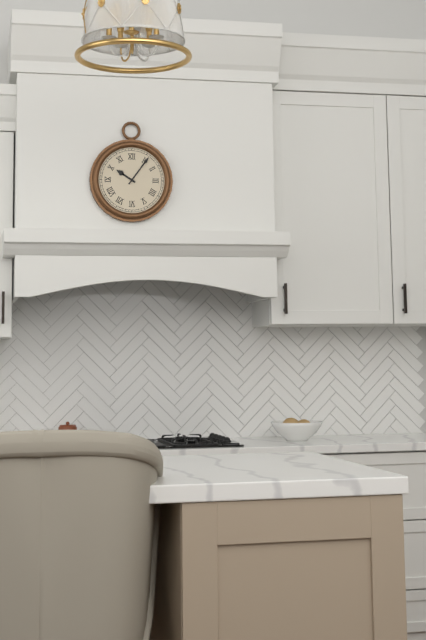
10.06
